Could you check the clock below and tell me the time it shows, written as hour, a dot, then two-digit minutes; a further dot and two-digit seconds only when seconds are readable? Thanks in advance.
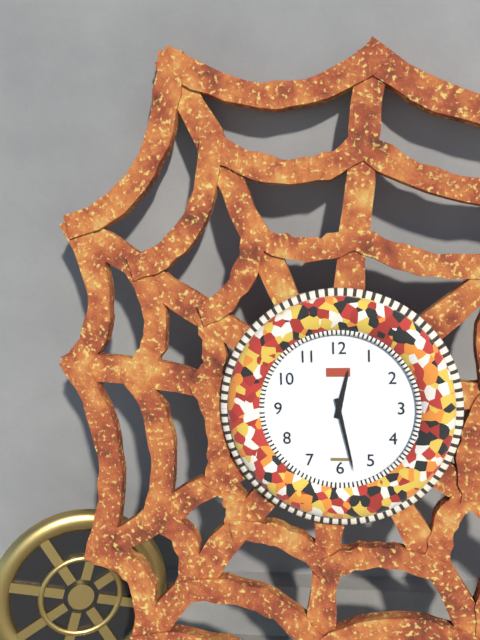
12.28
